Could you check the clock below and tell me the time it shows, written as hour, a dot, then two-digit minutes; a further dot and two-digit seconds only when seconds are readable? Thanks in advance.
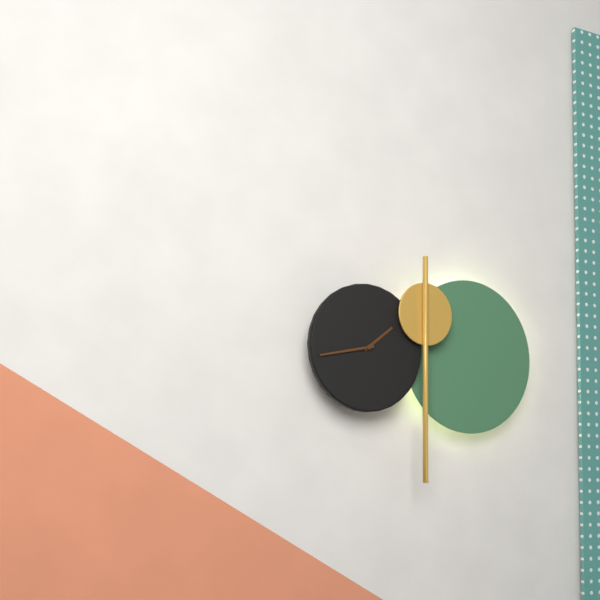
1.43
